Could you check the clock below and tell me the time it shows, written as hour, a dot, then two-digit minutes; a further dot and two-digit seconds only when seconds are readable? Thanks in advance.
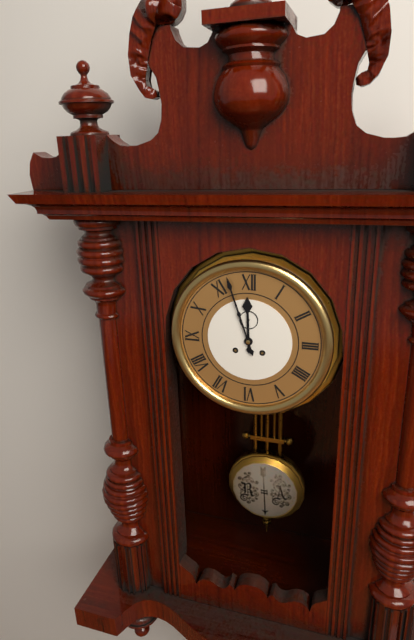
11.57
